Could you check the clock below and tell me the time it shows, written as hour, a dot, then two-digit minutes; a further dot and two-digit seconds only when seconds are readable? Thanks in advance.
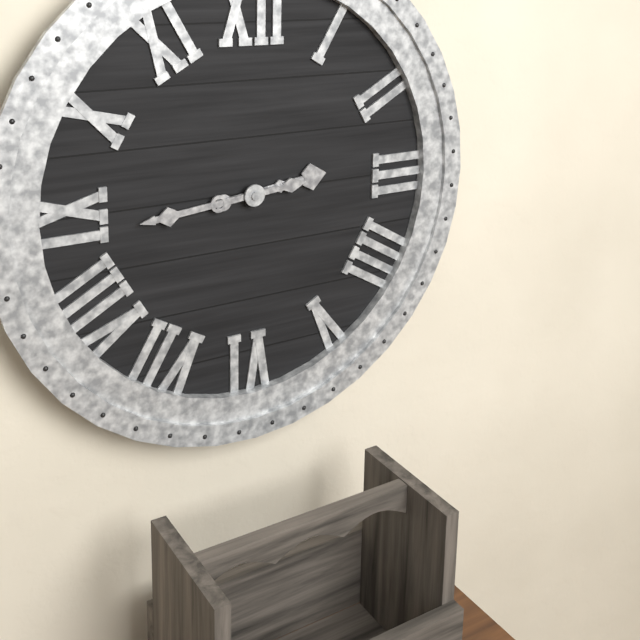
2.44
